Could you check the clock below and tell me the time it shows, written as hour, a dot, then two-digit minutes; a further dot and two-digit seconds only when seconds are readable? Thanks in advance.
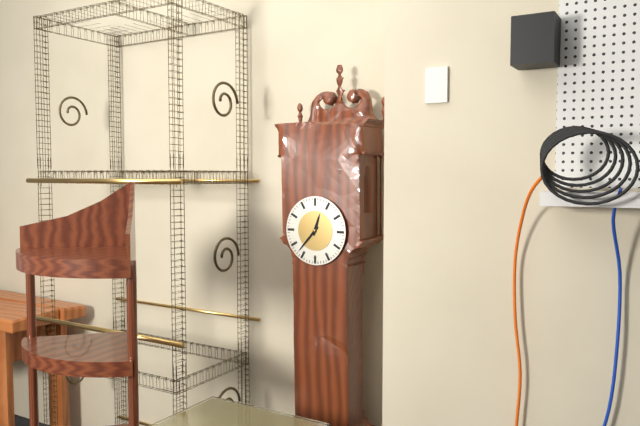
12.37
